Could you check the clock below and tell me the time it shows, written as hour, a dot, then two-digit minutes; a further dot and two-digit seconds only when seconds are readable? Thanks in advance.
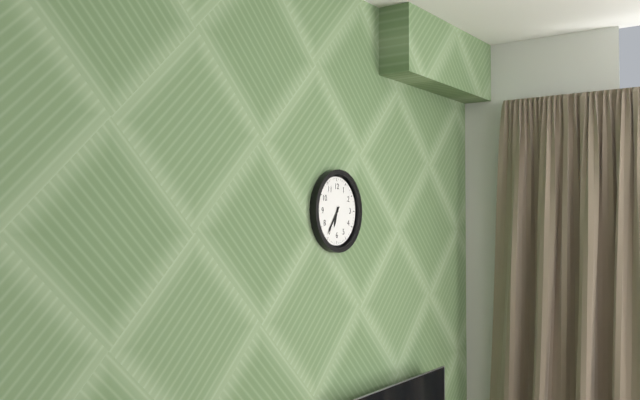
6.36
